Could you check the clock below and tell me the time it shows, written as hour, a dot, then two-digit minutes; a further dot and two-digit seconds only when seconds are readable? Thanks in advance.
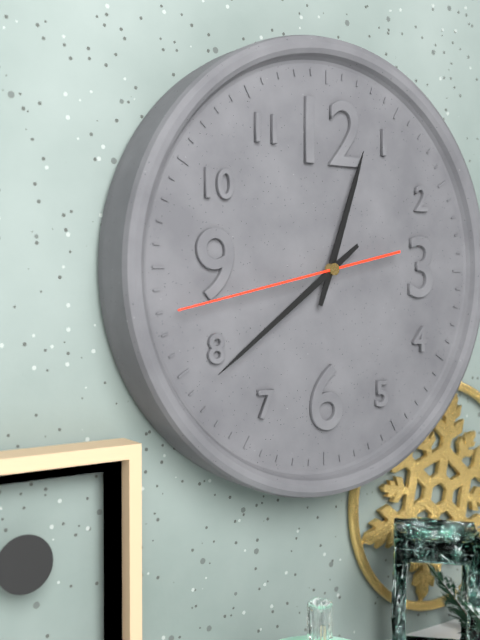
12.39.43
